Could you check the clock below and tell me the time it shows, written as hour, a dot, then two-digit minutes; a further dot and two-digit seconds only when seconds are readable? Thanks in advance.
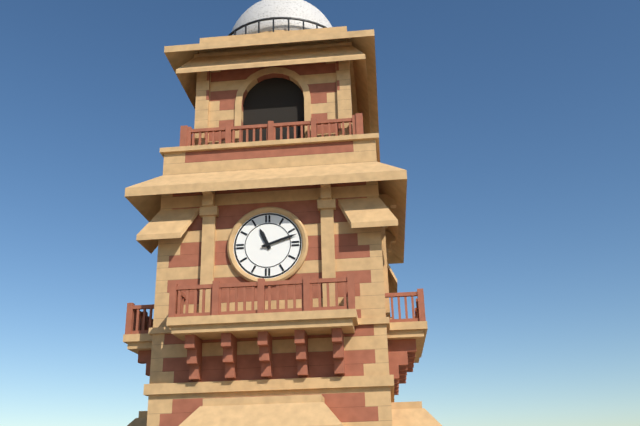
11.12
